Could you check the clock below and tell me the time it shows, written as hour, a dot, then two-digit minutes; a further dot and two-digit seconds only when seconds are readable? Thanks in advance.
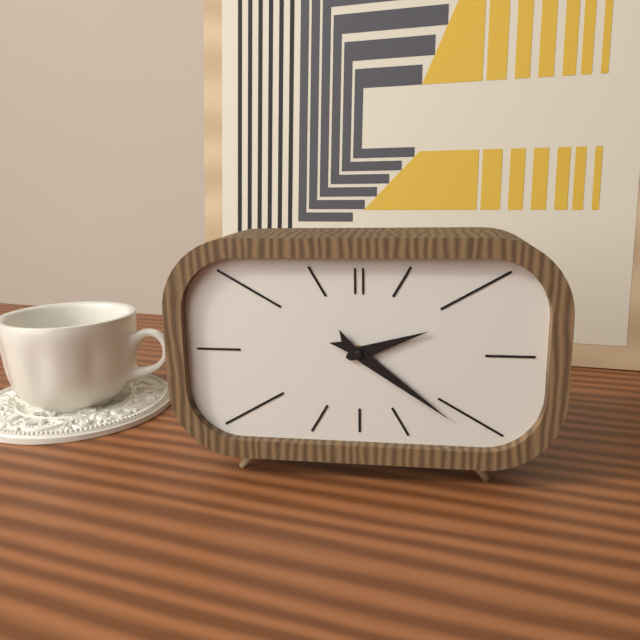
2.21
